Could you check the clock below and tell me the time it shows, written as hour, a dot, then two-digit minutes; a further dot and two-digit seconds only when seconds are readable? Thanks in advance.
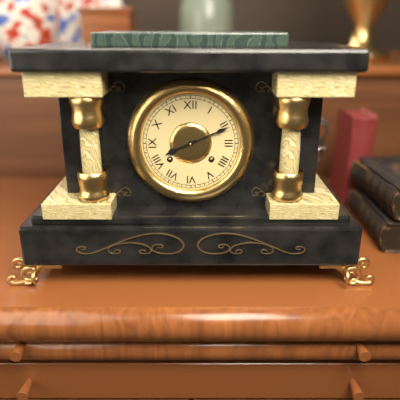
8.11
